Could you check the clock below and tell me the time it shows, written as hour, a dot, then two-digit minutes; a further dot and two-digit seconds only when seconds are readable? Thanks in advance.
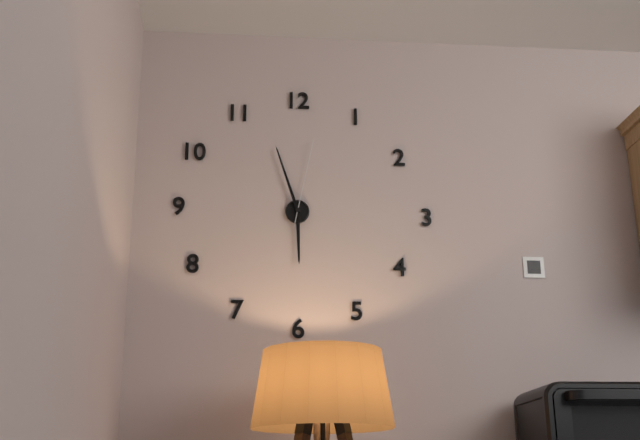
5.57.02
